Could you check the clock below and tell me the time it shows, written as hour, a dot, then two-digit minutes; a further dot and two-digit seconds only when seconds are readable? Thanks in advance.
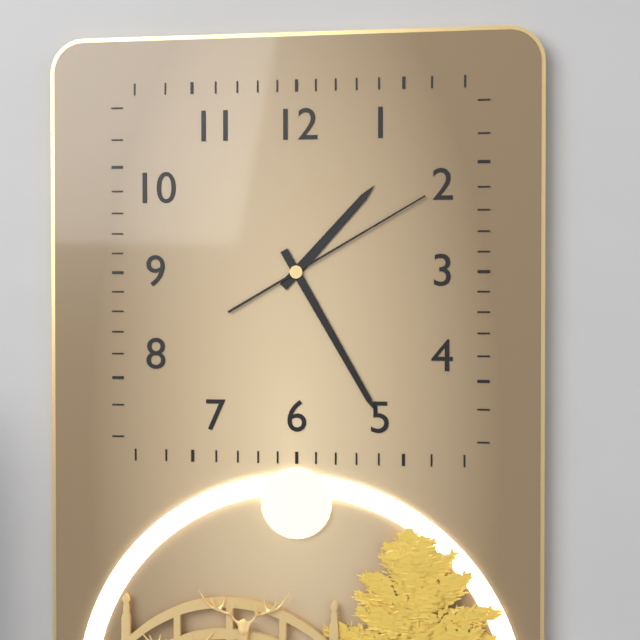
1.25.10
